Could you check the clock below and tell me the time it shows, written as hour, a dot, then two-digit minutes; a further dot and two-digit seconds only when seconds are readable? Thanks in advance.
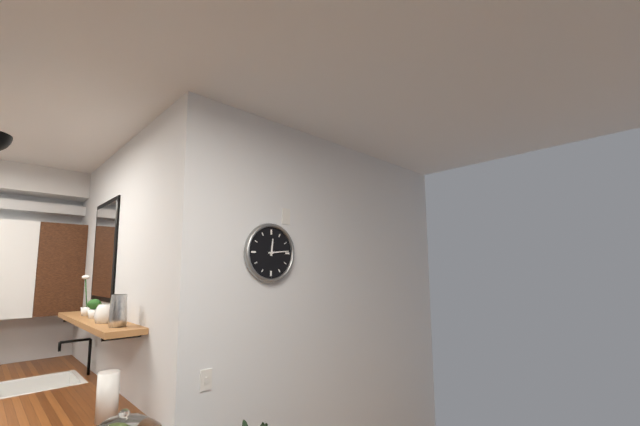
12.14
